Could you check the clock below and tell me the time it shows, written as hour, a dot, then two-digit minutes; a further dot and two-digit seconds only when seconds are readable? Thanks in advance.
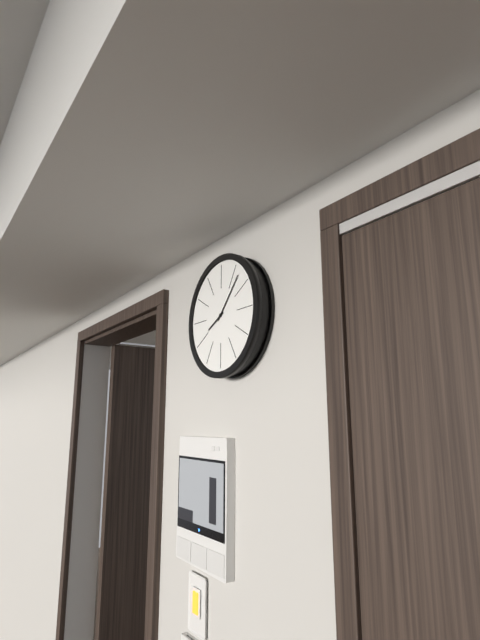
8.07
